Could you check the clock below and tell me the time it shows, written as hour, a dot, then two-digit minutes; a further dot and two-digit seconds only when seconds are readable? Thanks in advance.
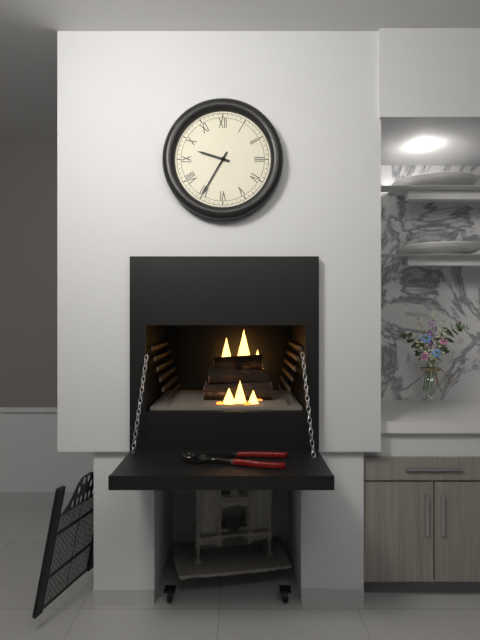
9.35
